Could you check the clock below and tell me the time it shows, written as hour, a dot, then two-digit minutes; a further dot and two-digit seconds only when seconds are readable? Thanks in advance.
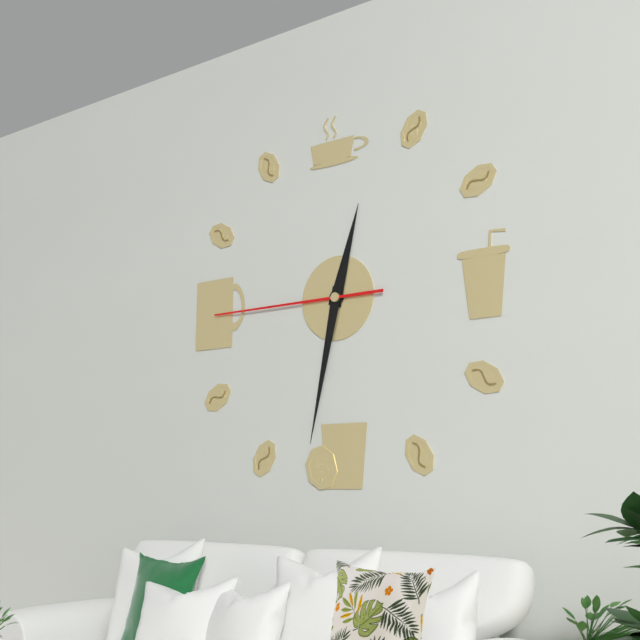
12.32.45
